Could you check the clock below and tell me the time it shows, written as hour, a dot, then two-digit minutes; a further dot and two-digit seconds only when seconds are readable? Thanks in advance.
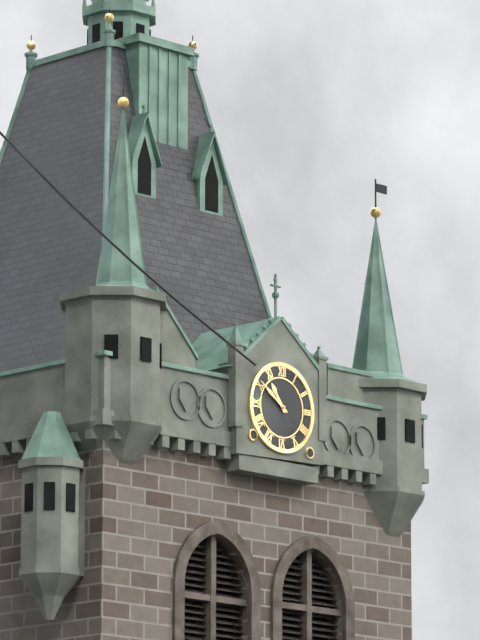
10.51
